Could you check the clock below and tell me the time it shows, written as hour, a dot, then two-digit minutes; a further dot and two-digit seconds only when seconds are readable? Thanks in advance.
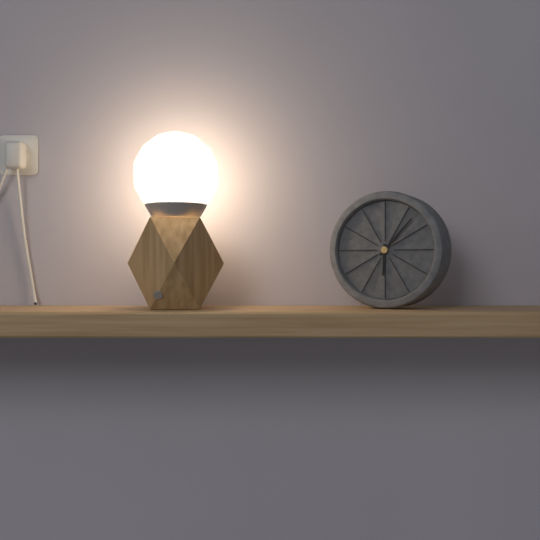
6.07
